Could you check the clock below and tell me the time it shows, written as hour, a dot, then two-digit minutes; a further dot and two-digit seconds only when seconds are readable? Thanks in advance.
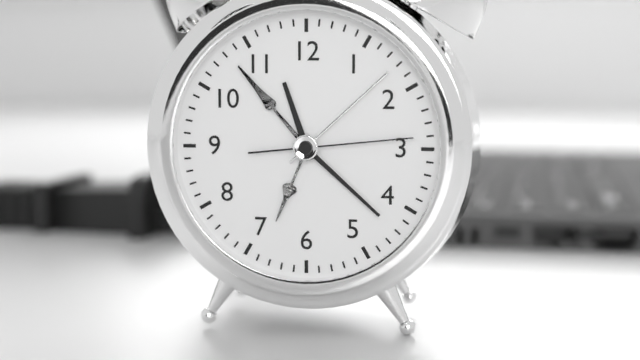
11.22.14
